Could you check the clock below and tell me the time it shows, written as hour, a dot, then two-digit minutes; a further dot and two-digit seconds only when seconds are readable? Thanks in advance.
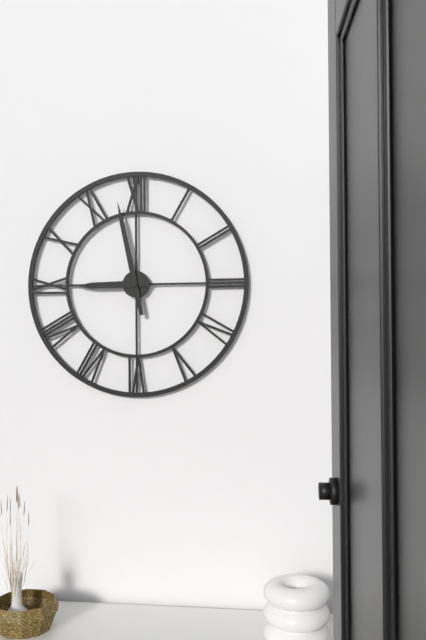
8.58
